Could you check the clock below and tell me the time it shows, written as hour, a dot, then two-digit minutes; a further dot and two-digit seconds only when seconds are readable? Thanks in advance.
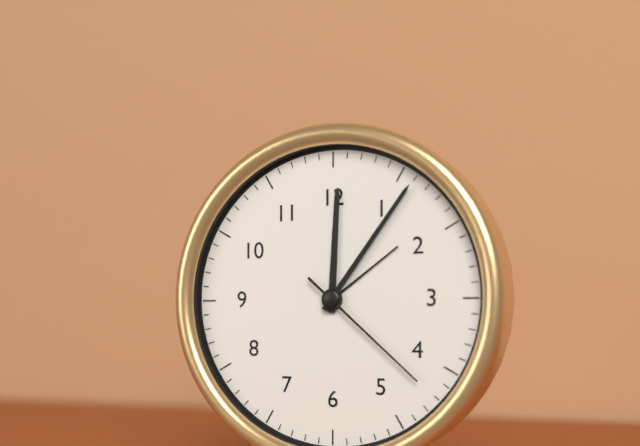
12.06.22
